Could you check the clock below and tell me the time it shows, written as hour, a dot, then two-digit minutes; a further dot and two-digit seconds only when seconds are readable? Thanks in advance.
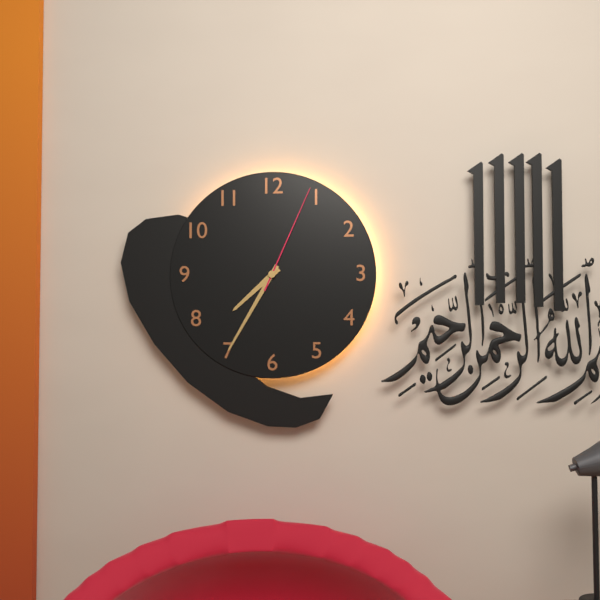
7.35.04
